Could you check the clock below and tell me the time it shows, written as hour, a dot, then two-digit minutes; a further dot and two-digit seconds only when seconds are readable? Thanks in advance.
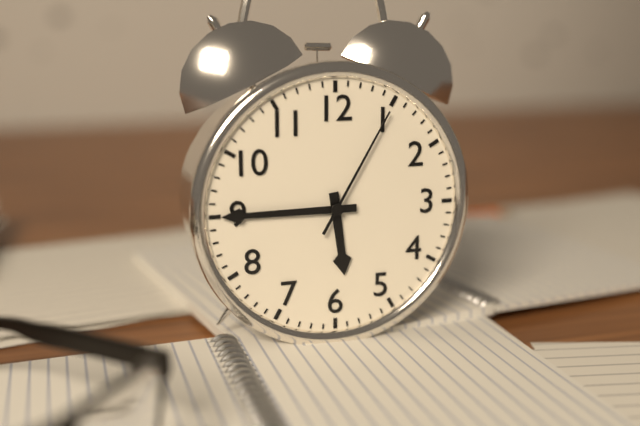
5.45.05
